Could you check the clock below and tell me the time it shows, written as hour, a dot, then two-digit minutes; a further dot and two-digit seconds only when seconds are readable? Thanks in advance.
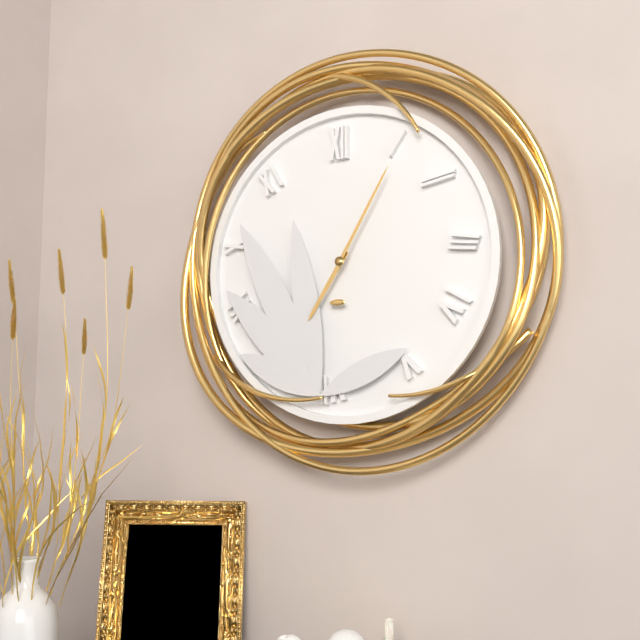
7.05
